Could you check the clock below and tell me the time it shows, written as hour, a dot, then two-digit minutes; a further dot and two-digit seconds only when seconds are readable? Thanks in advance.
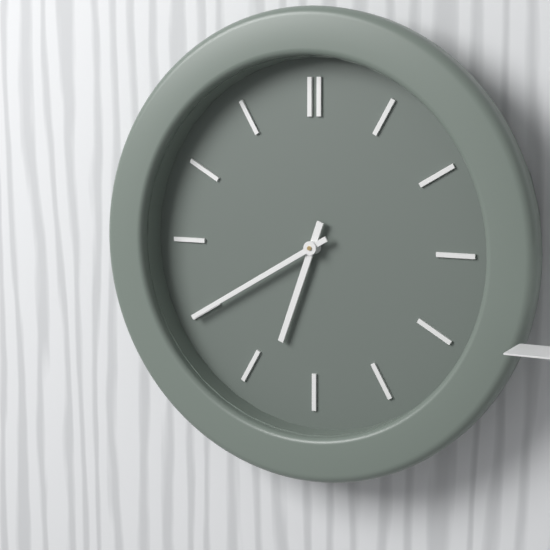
6.40
